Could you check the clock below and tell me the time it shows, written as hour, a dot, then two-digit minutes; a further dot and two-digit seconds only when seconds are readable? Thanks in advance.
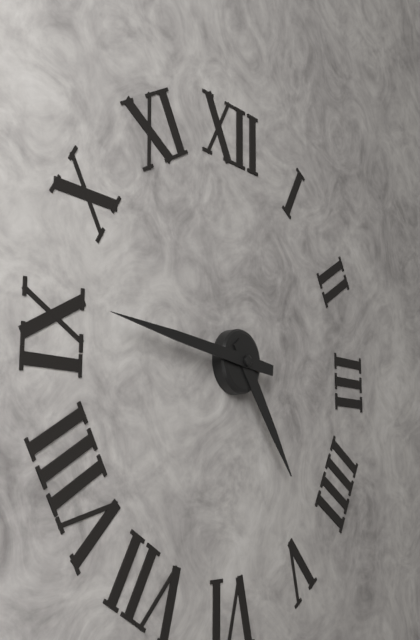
4.46
